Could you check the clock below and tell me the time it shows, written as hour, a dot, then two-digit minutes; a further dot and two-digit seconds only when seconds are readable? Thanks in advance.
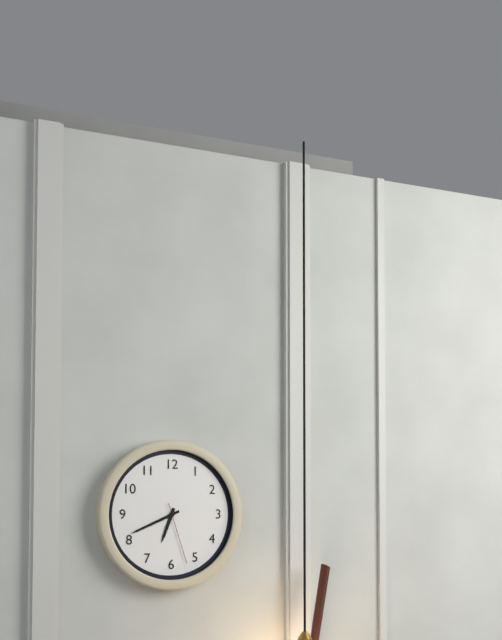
6.41.27
